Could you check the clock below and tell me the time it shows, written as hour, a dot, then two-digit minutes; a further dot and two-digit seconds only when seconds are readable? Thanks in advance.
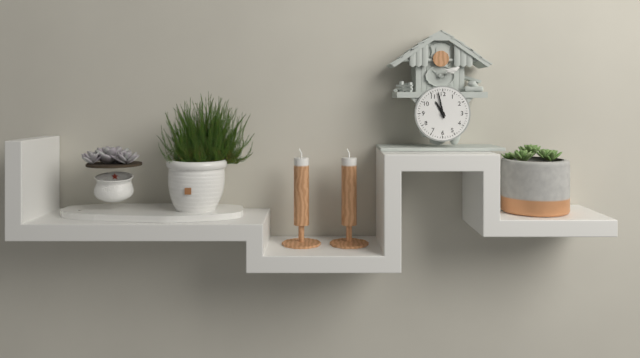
10.58
